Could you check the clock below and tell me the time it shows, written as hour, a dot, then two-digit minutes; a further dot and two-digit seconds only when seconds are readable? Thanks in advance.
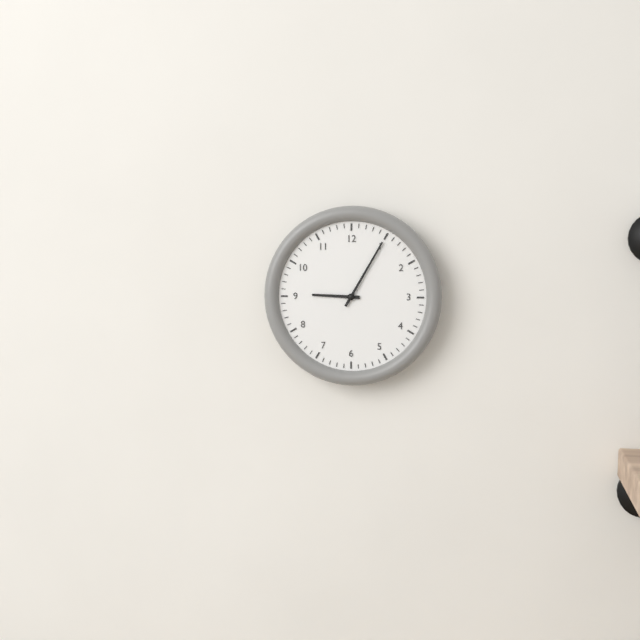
9.05
